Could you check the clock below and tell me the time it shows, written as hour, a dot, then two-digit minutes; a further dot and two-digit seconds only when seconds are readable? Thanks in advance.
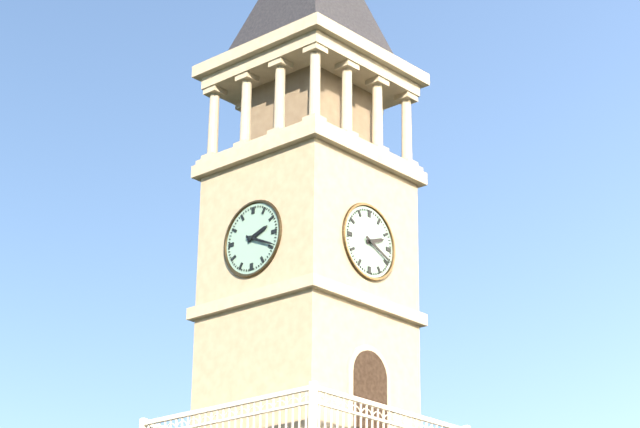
2.19
